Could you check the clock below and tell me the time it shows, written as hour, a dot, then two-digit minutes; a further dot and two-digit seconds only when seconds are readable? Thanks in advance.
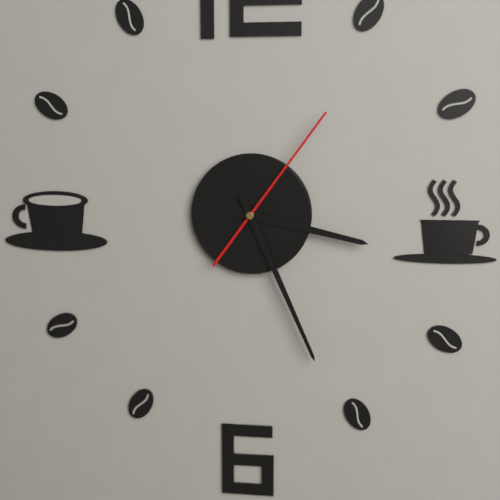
3.26.06
